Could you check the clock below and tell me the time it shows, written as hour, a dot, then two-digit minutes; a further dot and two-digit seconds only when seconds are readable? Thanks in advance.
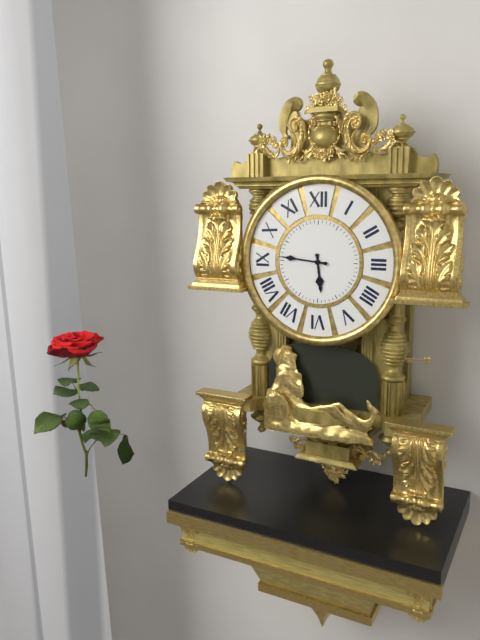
5.46
